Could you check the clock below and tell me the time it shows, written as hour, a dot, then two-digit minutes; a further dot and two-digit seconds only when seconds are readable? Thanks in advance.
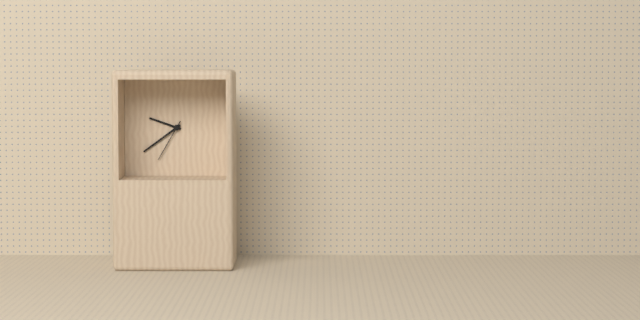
9.39
